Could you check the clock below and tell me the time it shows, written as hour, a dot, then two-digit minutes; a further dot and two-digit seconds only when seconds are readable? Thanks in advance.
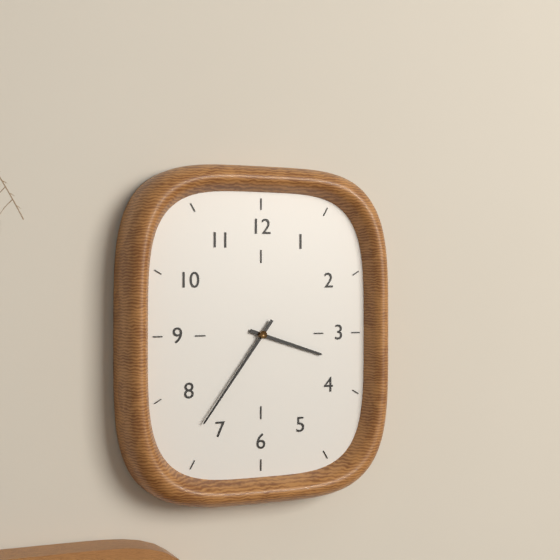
3.36
